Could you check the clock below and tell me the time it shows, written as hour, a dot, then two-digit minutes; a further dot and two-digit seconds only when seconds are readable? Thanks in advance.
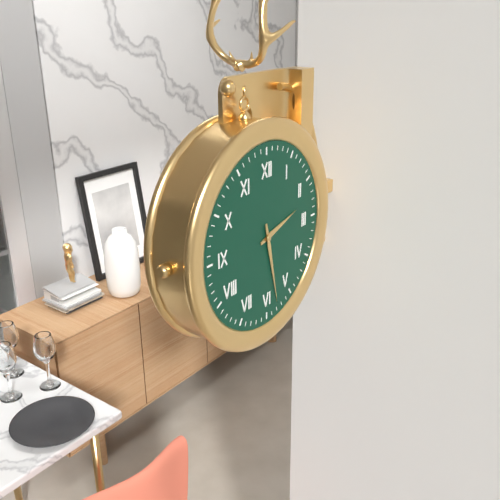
2.28
